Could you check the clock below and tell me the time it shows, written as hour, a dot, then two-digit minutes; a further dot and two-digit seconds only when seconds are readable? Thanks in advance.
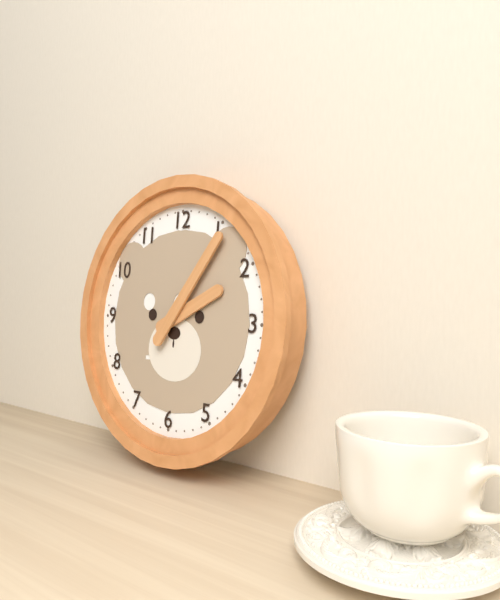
2.06
